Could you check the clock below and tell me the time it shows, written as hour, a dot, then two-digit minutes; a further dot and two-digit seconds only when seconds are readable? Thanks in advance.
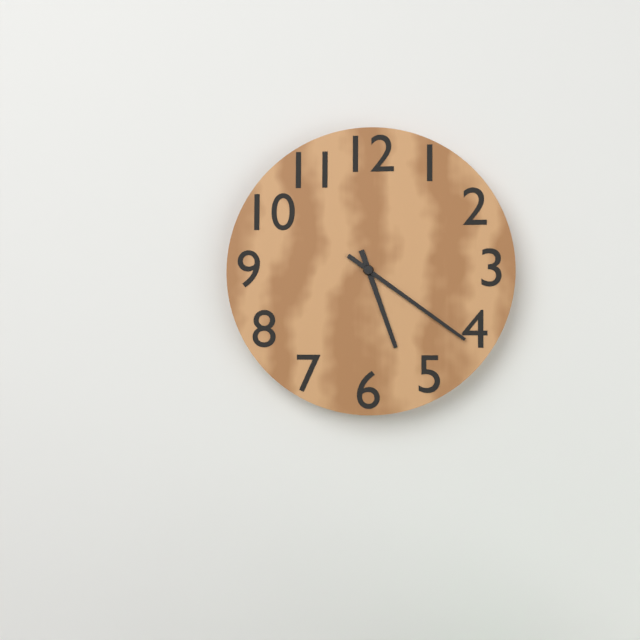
5.21
